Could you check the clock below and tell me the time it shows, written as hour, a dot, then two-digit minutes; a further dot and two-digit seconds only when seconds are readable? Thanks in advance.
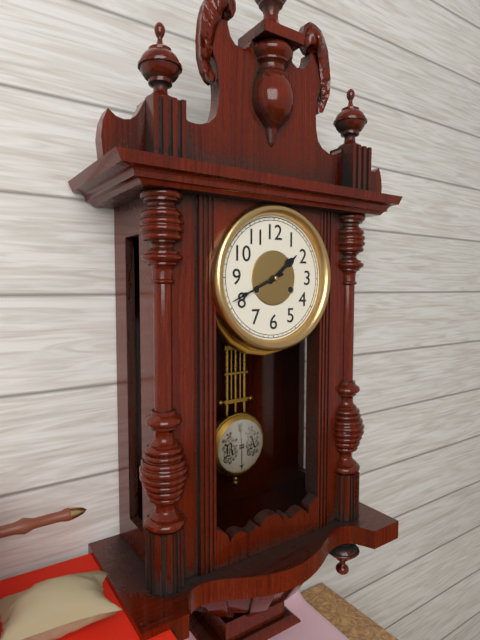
1.41
